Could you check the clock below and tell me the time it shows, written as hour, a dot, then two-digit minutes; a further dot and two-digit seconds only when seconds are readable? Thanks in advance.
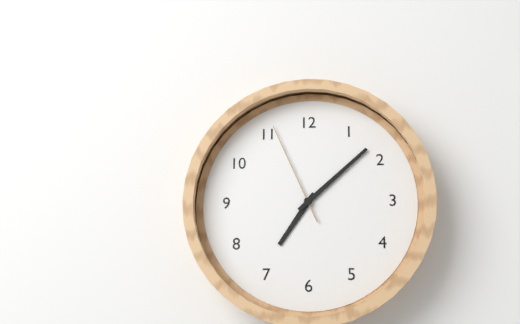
7.08.56
